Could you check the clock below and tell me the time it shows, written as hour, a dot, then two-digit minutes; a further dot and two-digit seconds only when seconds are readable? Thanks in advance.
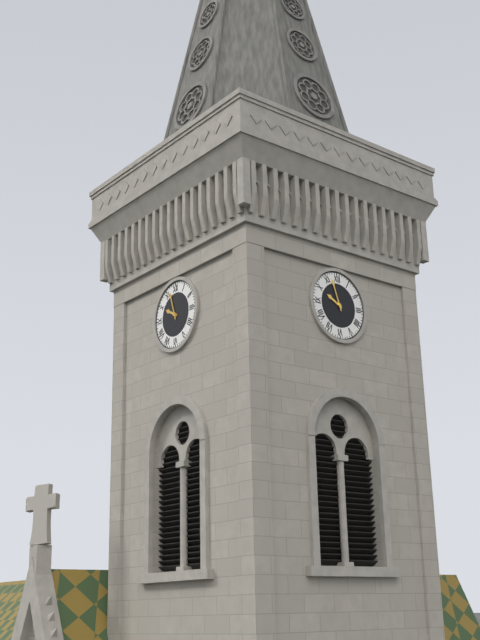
9.57
